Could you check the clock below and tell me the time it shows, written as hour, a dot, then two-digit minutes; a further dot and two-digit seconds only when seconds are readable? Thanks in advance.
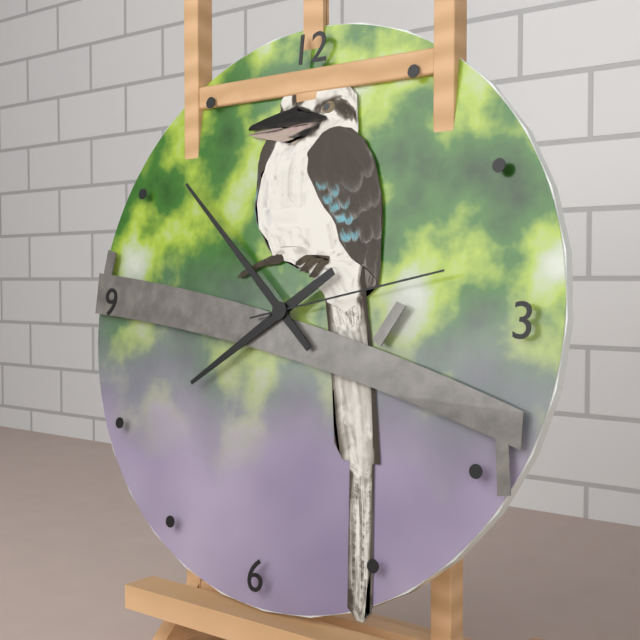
7.52.13
